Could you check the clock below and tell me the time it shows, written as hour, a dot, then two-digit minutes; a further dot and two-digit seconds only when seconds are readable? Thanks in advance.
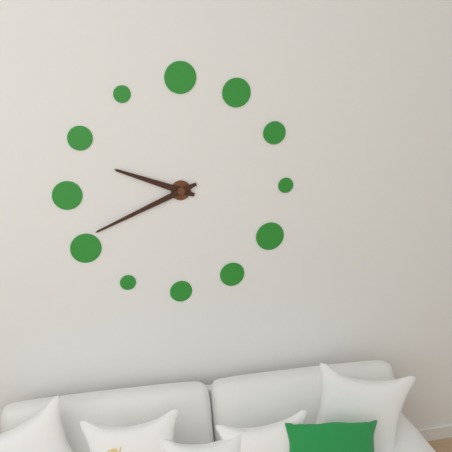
9.41
